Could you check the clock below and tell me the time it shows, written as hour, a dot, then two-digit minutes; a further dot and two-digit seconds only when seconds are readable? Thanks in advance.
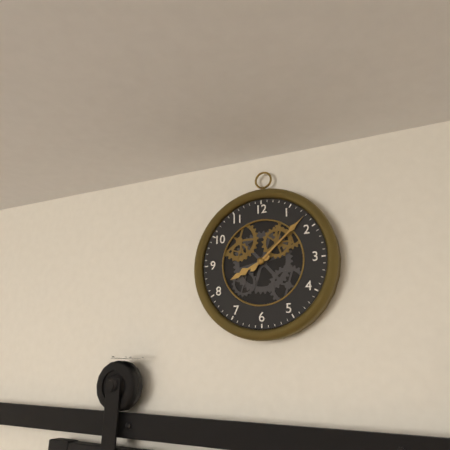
8.08
